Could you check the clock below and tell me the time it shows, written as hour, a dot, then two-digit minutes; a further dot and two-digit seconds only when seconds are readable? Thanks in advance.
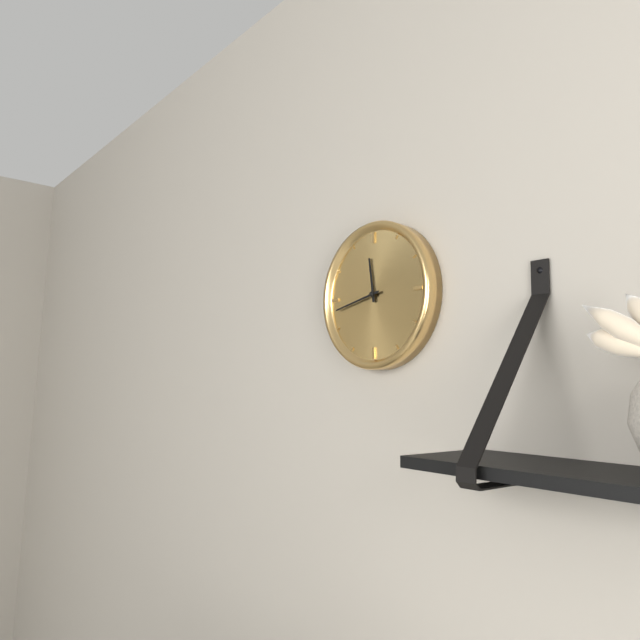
11.43
